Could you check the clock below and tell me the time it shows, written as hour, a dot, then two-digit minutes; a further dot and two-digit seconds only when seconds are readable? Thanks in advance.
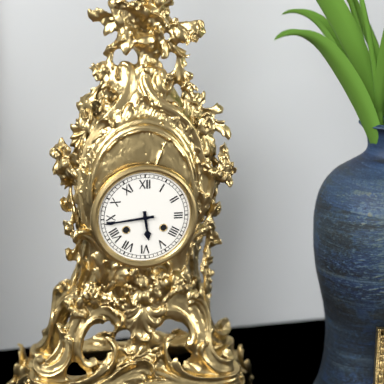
5.44
